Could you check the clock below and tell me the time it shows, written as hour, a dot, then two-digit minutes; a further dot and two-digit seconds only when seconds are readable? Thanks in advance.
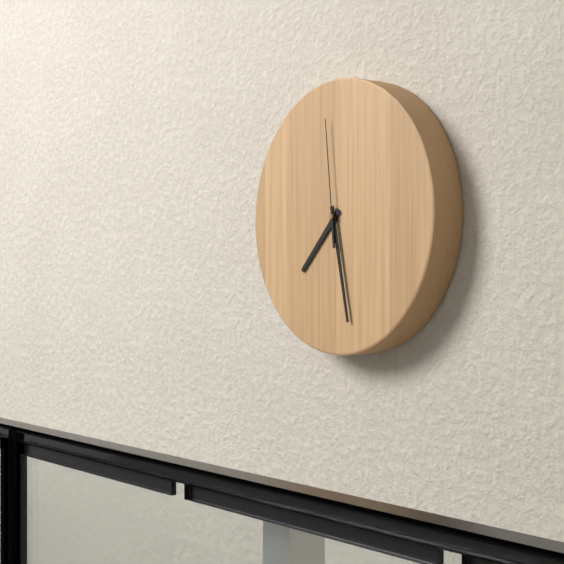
7.28.59
